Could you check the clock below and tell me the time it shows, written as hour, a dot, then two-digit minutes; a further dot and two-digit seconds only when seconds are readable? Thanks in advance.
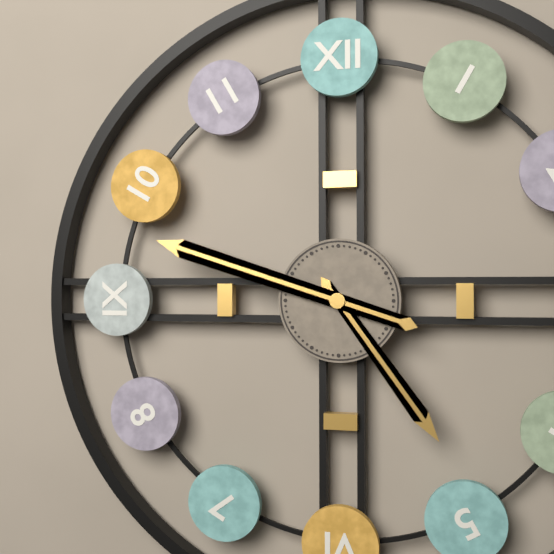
4.48
